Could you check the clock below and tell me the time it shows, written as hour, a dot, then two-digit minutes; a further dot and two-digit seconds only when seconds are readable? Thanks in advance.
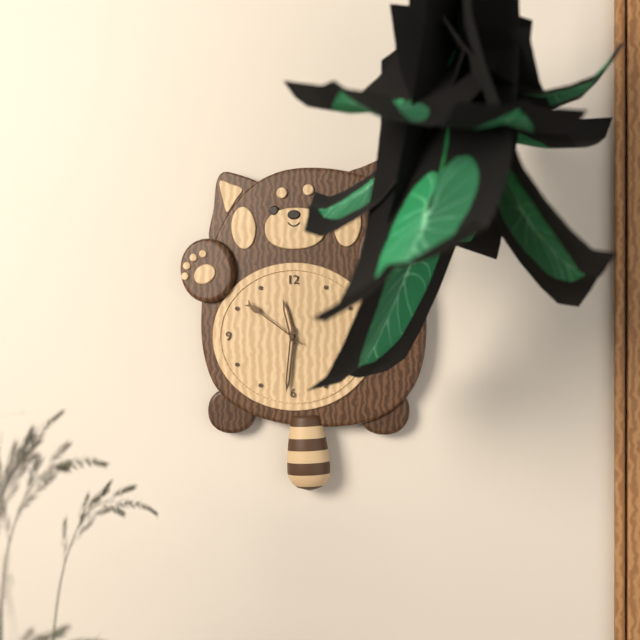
11.31.51
